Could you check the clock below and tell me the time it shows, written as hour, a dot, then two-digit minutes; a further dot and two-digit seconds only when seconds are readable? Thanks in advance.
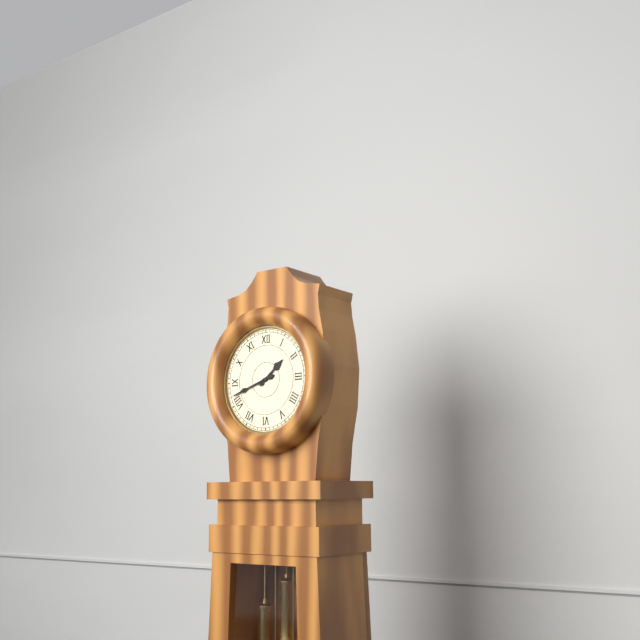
1.42
